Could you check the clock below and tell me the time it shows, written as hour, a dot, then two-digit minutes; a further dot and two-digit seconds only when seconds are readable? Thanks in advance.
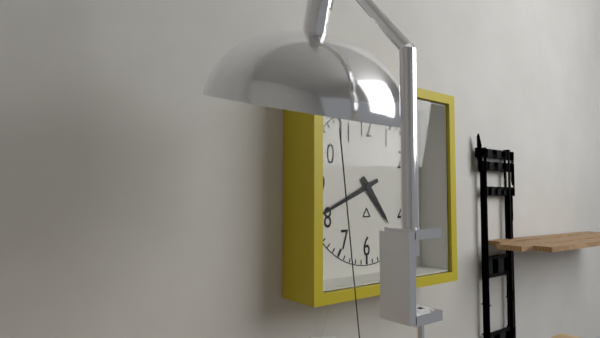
4.41
